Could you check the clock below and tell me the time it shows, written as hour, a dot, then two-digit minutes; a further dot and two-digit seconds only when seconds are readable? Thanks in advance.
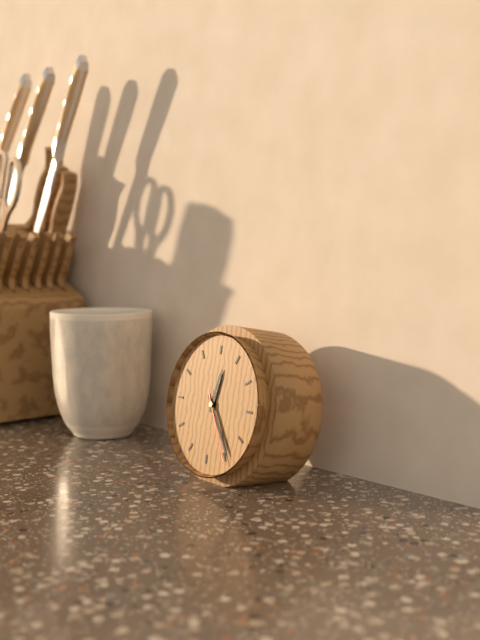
12.24.25
